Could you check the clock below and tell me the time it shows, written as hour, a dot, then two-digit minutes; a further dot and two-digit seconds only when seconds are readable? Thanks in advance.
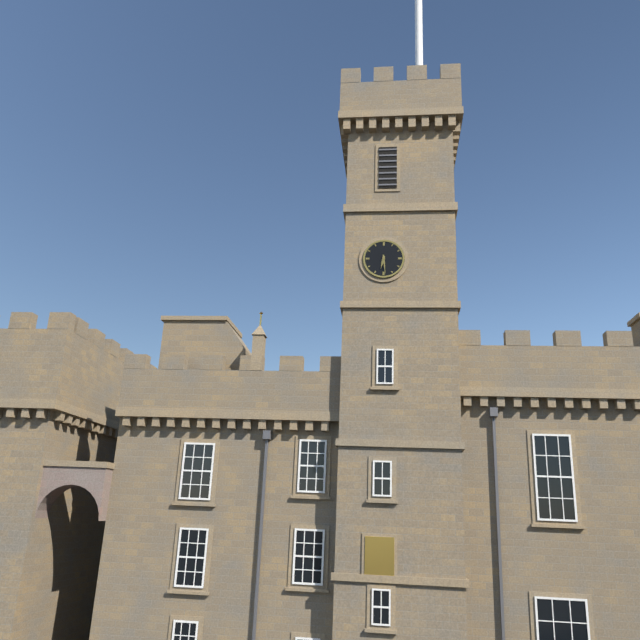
6.29
